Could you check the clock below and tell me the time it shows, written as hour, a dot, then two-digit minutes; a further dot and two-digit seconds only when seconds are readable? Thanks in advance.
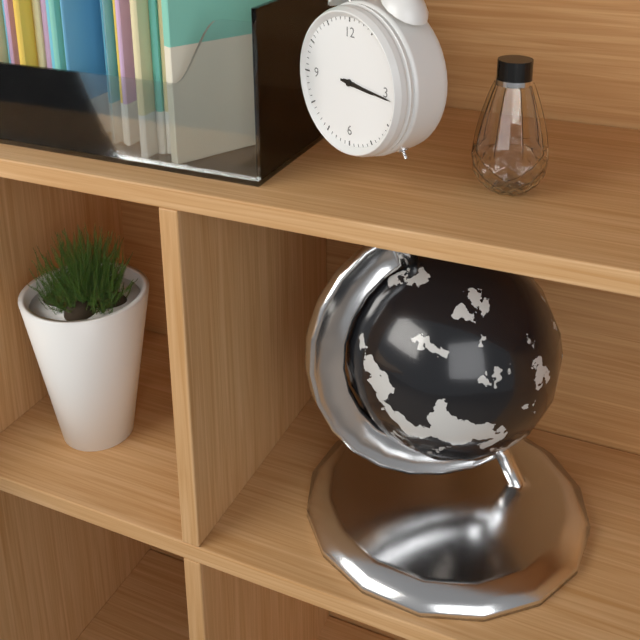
3.16
